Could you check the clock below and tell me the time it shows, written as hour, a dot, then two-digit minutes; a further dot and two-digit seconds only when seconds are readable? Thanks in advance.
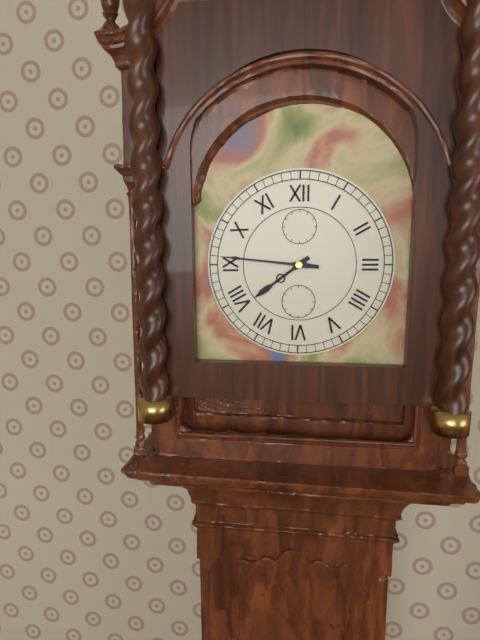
7.46
